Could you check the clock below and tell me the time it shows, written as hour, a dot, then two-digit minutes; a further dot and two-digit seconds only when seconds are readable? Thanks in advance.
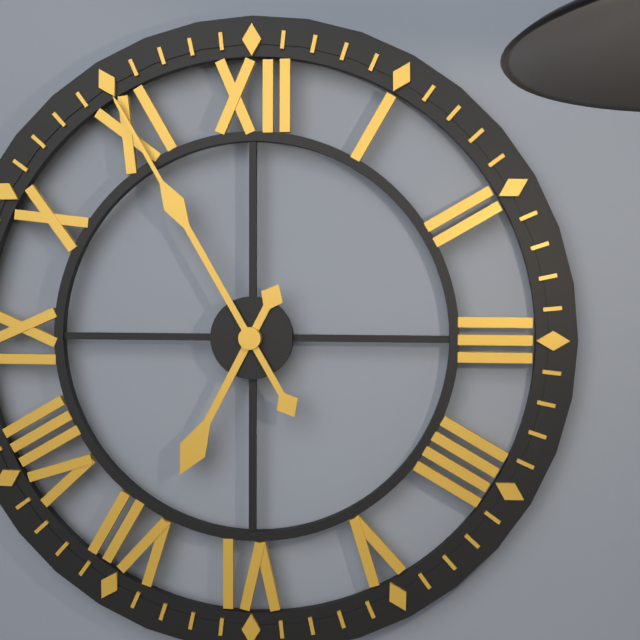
6.55
